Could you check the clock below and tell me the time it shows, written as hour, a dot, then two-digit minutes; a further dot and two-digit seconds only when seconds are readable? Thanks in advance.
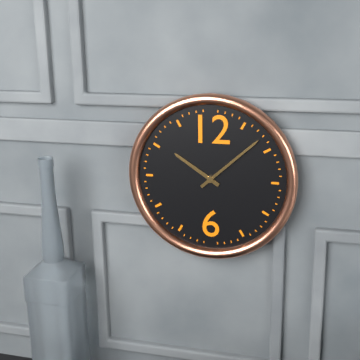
10.08
